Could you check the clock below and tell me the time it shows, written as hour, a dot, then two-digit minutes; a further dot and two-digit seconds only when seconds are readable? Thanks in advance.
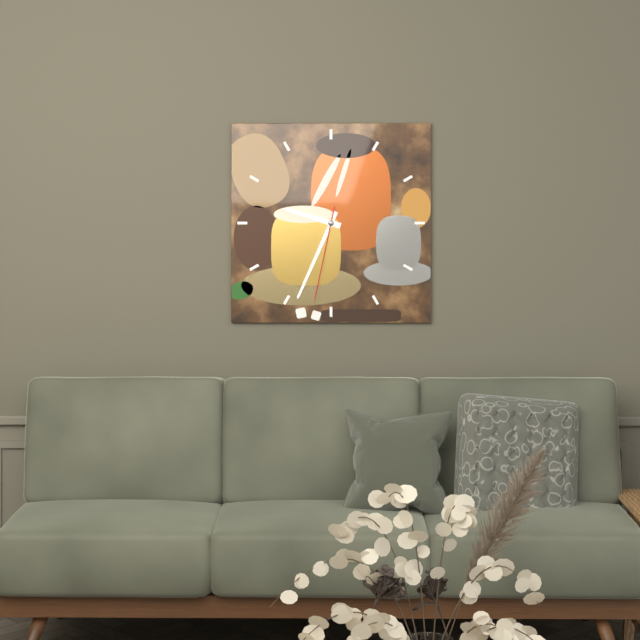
9.34.32
